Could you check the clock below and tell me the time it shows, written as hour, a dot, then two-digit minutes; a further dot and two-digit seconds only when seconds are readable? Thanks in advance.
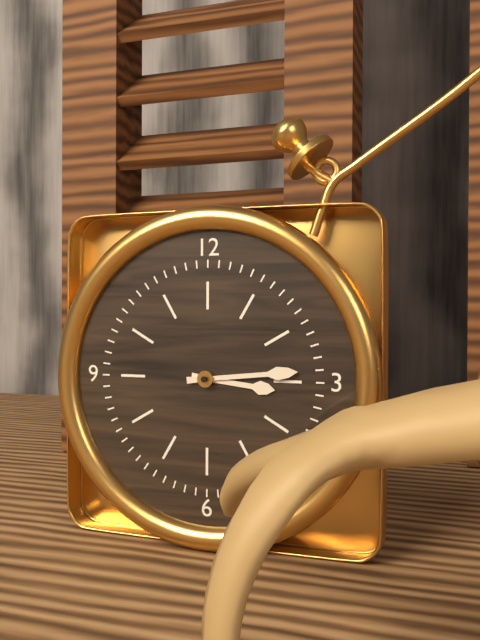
3.14
